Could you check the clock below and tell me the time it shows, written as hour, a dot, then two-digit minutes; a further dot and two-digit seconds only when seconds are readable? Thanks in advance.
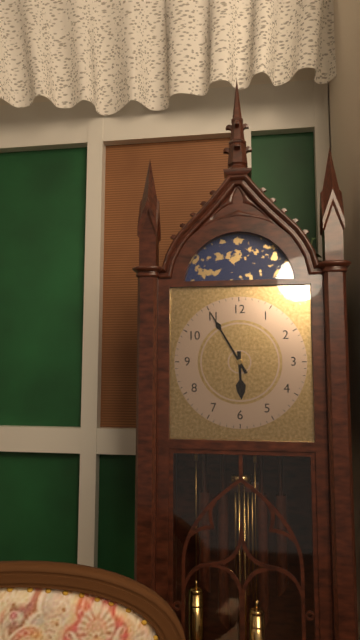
5.55
